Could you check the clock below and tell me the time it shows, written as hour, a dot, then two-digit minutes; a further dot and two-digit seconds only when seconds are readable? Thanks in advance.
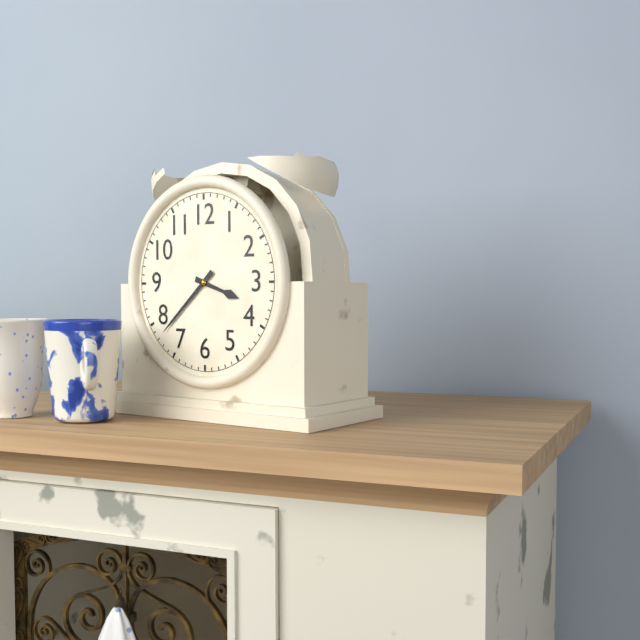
3.38
